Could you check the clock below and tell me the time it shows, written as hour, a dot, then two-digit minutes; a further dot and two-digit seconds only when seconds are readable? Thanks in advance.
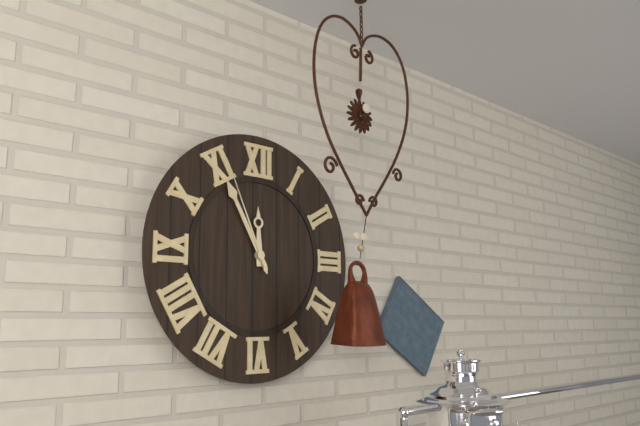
11.55.56
